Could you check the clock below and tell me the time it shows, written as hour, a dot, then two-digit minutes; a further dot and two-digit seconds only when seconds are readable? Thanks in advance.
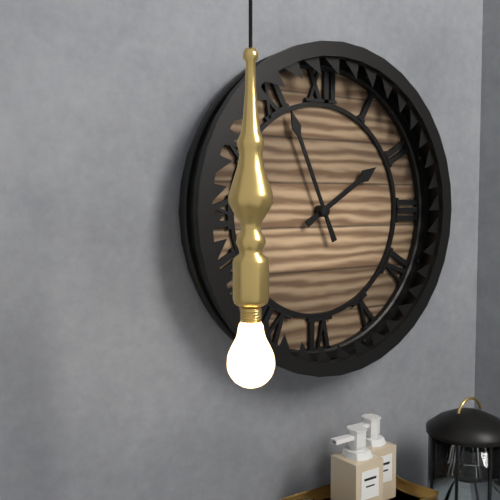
1.56
